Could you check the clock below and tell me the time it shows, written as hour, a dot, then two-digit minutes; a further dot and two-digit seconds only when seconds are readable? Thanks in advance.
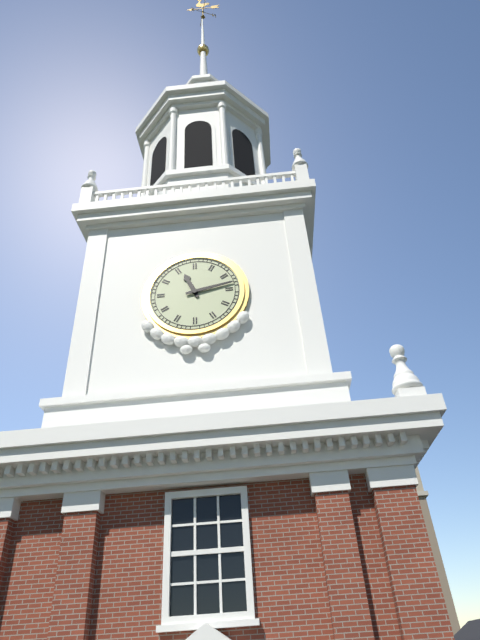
11.13
